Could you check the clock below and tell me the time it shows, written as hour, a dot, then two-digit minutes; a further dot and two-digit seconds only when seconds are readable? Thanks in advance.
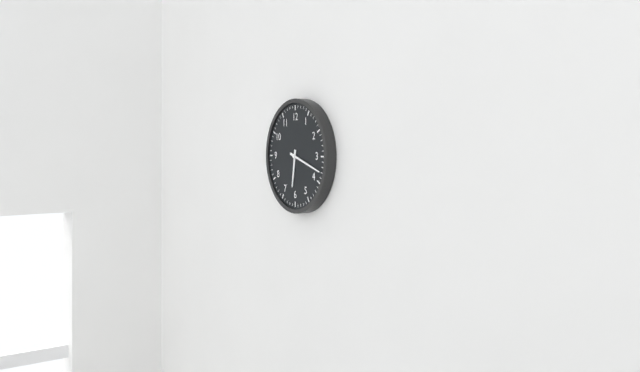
6.18
